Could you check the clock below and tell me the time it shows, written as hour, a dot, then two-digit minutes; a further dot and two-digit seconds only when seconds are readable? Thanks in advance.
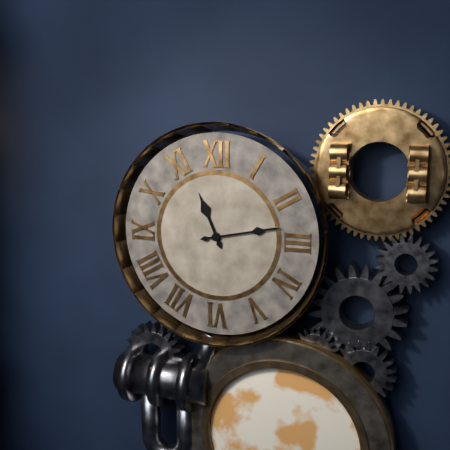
11.13
